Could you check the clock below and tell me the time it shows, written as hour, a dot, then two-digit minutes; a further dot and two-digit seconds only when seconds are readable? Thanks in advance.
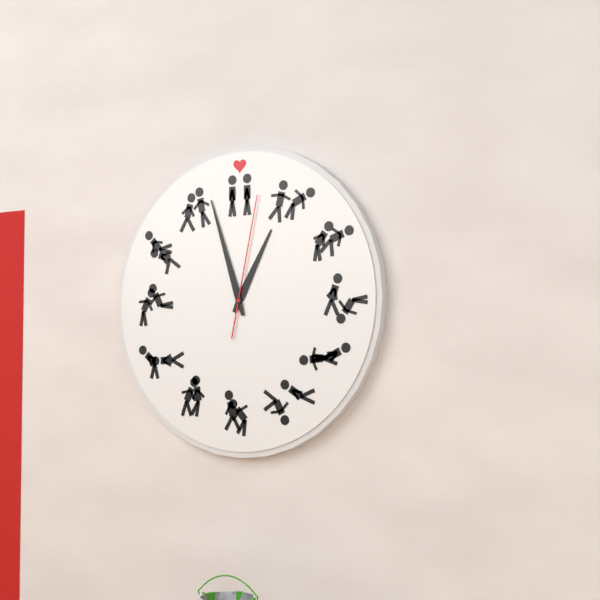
12.57.02
